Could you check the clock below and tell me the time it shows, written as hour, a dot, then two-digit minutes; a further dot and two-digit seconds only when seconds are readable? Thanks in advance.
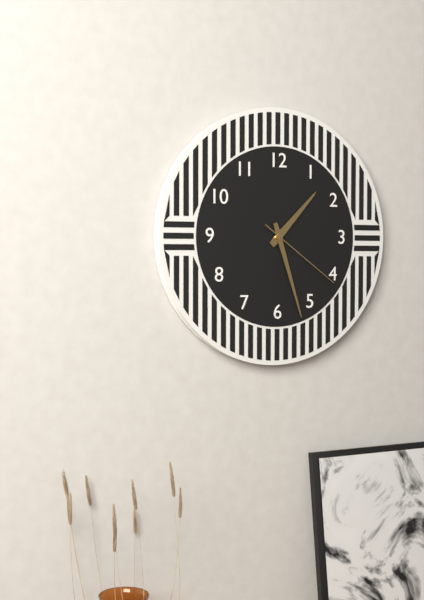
1.27.21
